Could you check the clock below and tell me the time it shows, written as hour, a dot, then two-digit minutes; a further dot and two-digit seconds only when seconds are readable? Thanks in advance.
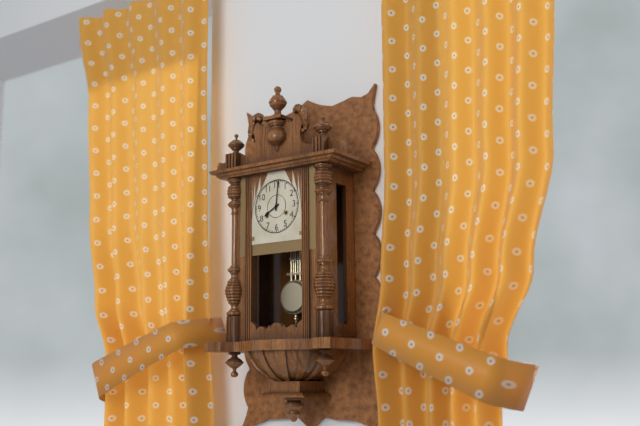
8.01
